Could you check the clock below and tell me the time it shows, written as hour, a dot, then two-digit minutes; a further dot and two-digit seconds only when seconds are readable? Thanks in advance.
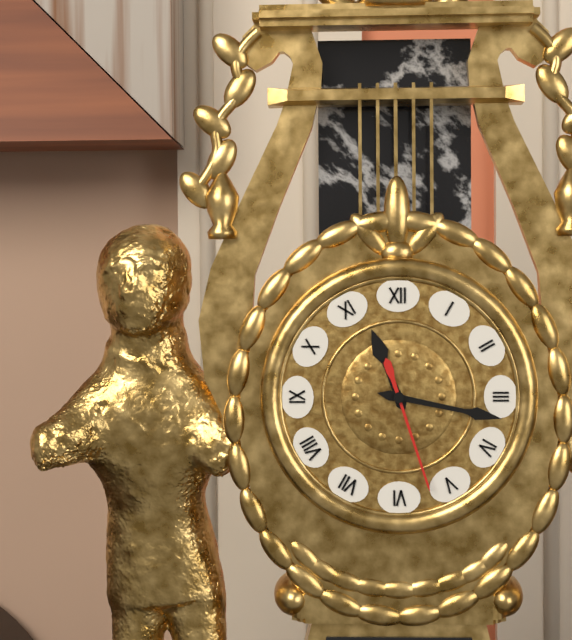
11.17.27
